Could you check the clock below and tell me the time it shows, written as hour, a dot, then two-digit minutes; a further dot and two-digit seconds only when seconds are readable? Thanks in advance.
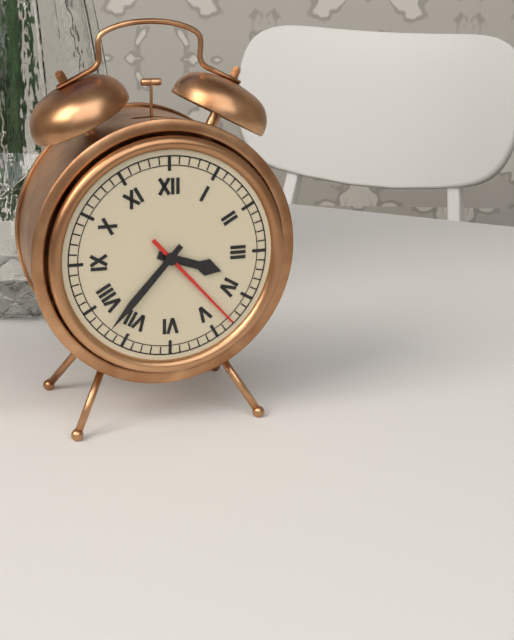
3.37.23
